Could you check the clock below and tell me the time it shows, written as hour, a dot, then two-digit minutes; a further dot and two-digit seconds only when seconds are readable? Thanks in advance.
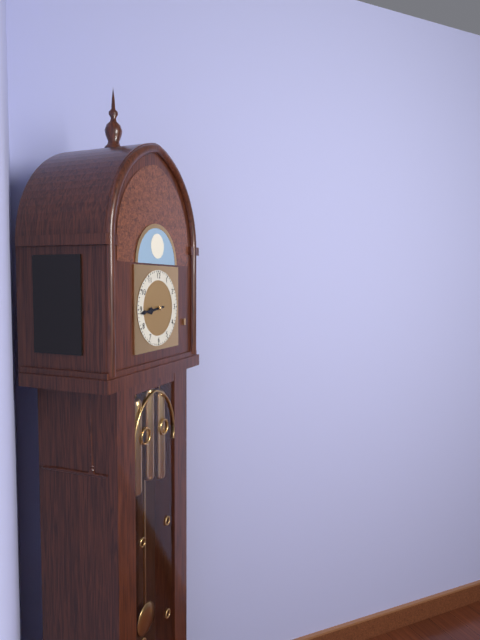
8.44
